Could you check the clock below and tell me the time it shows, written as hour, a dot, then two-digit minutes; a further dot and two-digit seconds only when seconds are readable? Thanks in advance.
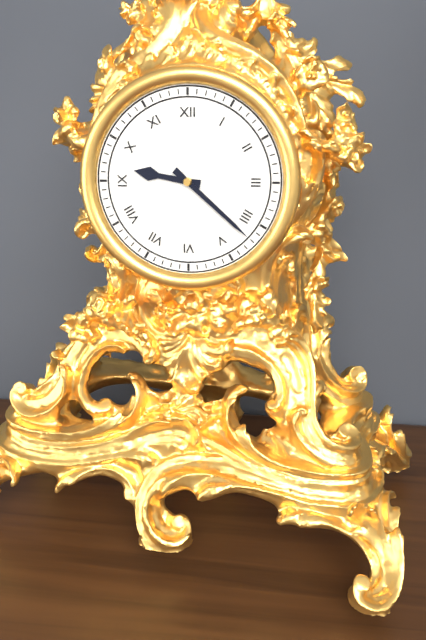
9.22
